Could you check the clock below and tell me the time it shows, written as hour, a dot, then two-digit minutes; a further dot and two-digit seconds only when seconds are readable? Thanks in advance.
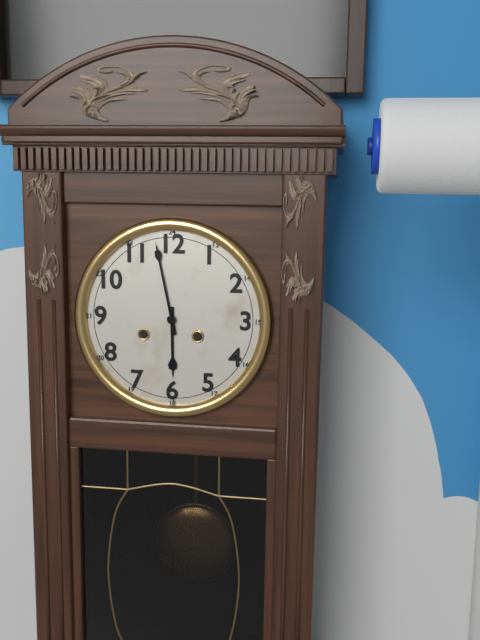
5.58
